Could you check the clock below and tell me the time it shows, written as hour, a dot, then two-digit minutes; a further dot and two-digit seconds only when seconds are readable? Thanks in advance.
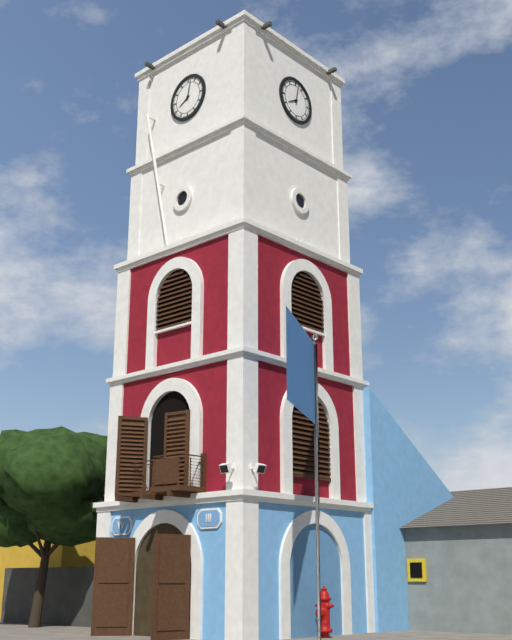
8.02
